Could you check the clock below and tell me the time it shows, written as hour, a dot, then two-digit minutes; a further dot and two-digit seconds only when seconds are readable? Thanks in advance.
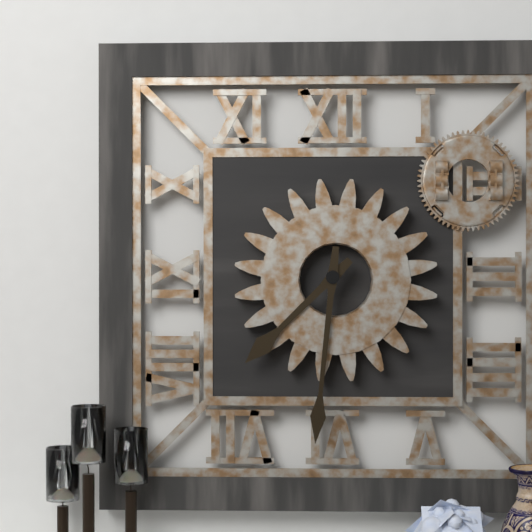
7.31
